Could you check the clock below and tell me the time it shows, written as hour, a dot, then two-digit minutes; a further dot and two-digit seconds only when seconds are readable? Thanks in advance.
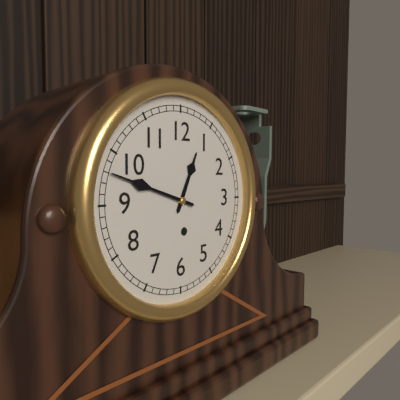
12.48
